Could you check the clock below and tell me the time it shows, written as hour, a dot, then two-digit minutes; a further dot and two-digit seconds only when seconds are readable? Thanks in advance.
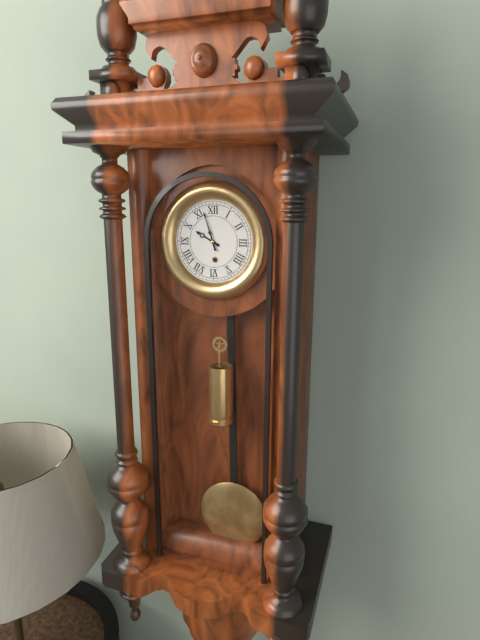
9.57
